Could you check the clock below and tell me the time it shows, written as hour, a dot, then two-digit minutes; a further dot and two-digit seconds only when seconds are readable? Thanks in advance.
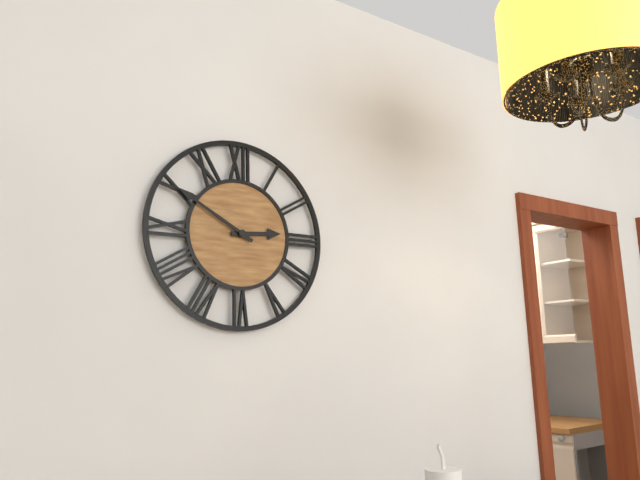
2.50
